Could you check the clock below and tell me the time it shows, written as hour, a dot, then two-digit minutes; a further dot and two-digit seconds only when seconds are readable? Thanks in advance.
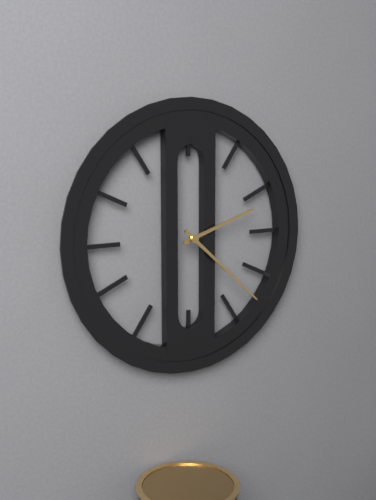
2.22
